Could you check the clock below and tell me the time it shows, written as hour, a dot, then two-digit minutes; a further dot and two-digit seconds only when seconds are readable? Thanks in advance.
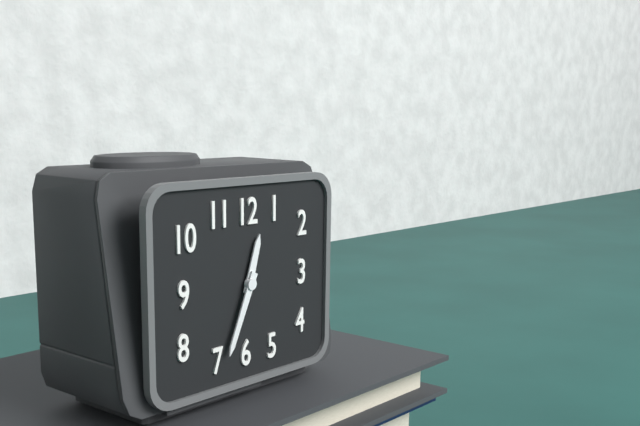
12.34
